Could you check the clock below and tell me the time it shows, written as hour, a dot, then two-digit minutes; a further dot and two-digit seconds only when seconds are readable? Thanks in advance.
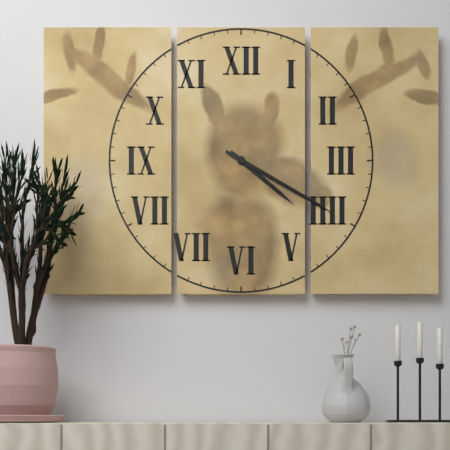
4.20
